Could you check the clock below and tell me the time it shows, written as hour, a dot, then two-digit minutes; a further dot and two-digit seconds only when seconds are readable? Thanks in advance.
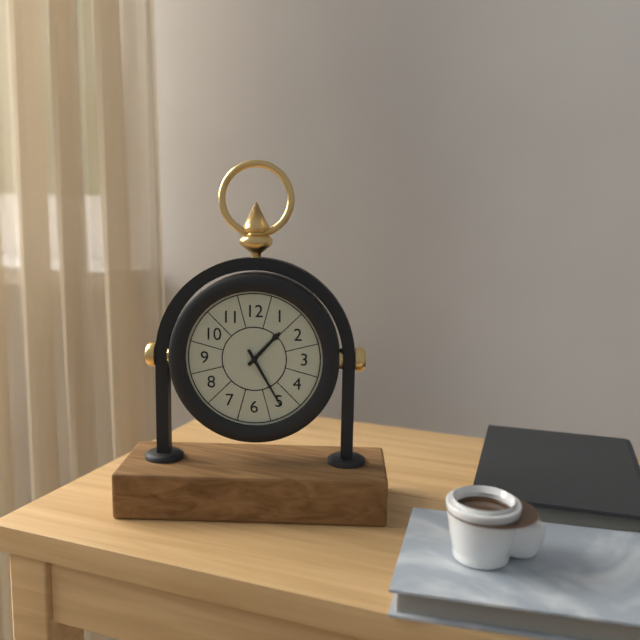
1.25
